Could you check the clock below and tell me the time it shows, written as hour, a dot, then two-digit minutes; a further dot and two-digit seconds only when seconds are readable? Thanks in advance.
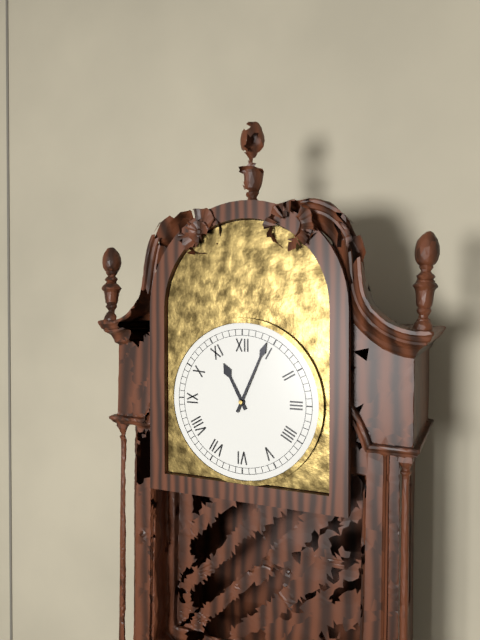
11.04
